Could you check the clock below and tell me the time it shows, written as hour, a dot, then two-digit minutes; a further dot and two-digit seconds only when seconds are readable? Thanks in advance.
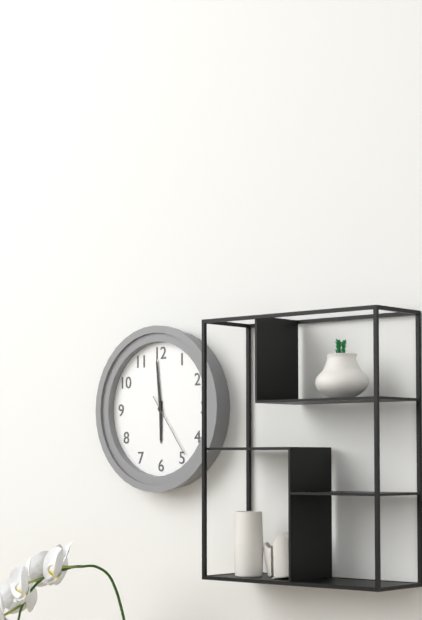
5.59.24
